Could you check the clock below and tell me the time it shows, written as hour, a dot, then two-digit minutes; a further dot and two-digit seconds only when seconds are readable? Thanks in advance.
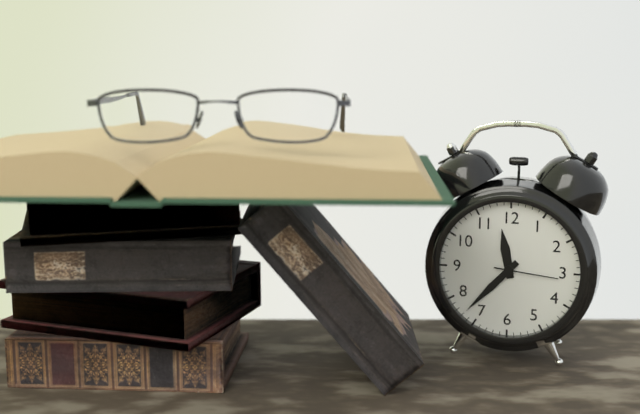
11.37.16
